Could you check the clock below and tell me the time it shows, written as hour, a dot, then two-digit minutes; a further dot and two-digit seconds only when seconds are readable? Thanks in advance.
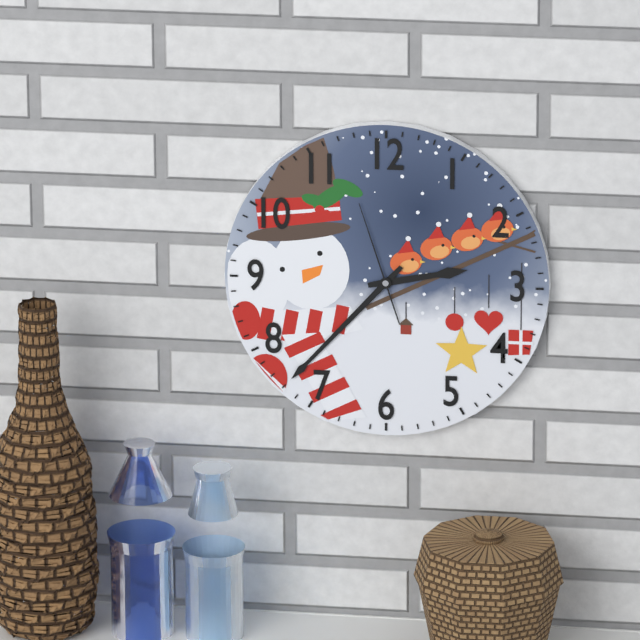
2.37.57
